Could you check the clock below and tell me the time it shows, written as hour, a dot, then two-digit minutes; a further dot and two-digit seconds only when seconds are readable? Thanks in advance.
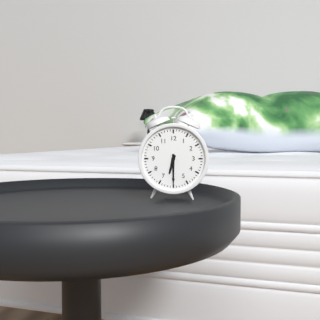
6.30
